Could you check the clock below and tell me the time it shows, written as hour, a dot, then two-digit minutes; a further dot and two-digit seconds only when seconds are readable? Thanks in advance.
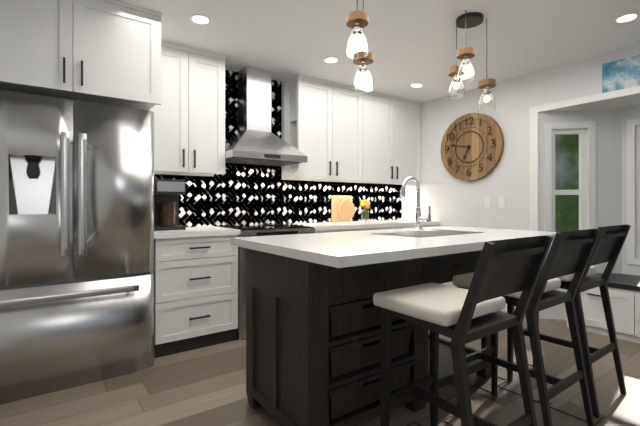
6.47
